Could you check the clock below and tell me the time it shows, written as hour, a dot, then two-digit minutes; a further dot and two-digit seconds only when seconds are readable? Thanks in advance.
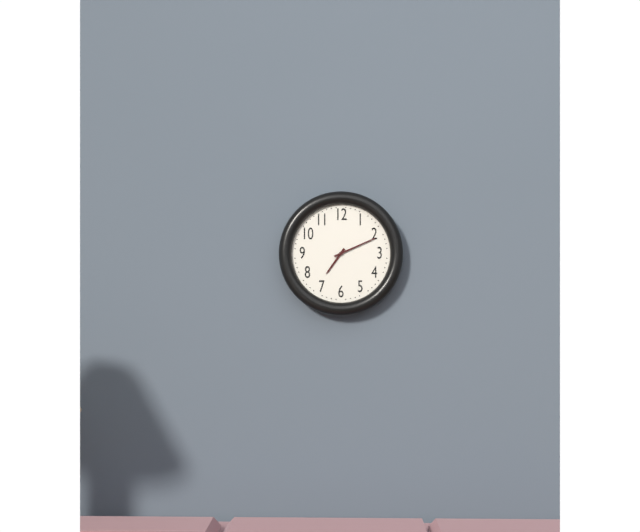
7.11
